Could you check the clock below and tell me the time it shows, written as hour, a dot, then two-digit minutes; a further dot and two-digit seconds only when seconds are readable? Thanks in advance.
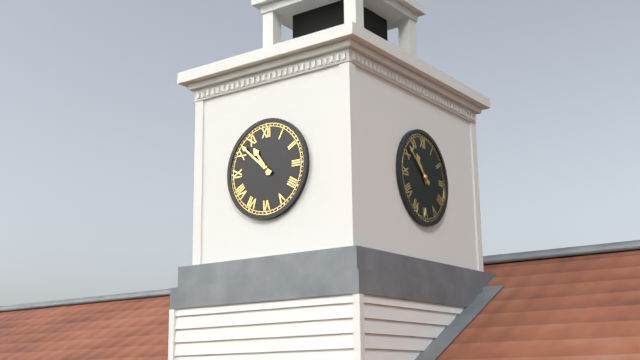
10.52
